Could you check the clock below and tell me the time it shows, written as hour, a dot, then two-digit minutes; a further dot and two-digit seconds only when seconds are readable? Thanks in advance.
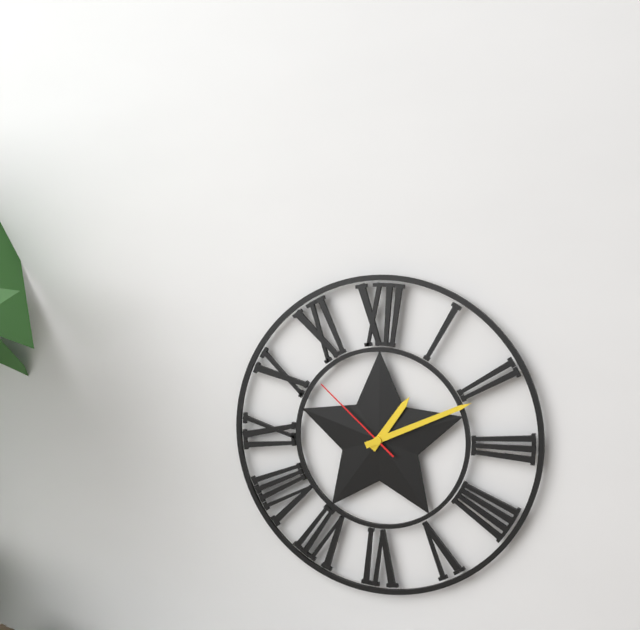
1.11.52
